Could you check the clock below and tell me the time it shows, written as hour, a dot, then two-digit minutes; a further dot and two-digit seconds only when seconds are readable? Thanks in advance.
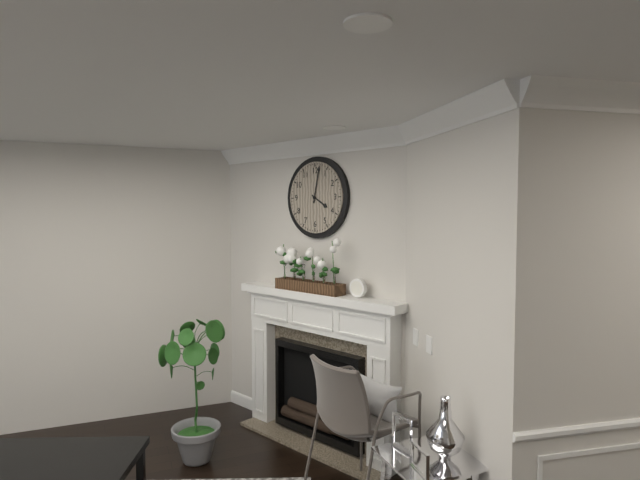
4.02
